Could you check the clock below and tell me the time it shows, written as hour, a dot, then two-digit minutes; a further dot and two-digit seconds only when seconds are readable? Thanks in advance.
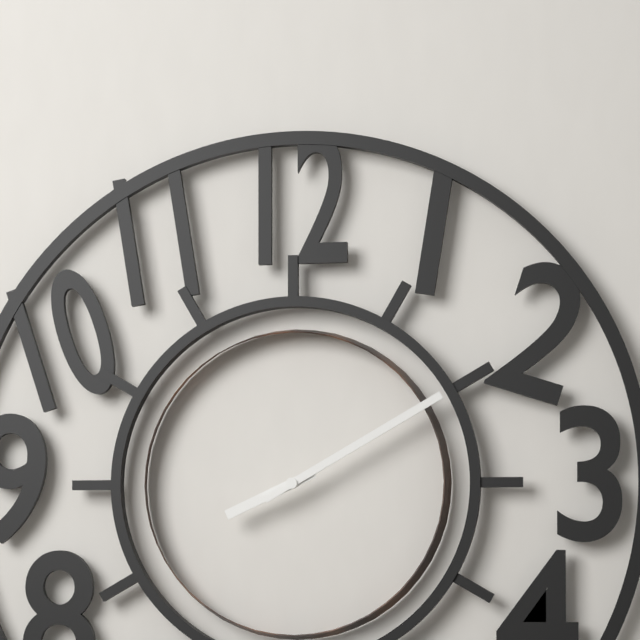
8.10
